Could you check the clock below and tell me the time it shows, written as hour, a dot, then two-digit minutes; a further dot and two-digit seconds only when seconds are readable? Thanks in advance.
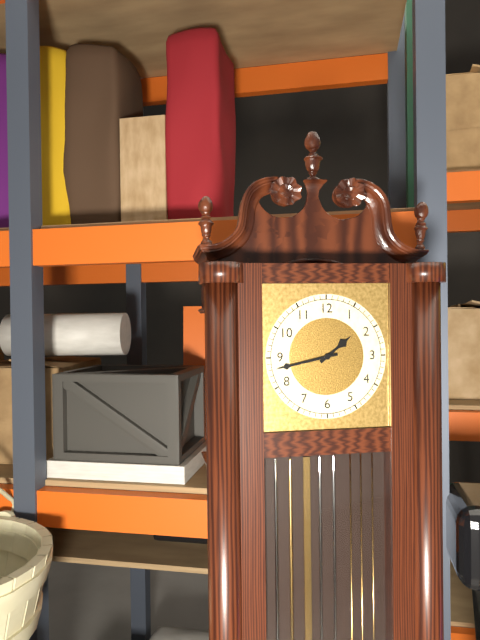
1.43
